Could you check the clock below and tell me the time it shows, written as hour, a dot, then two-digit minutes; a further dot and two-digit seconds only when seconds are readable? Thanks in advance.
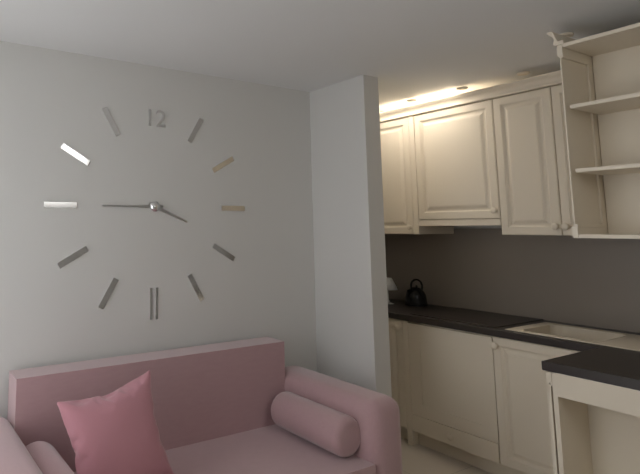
3.45
